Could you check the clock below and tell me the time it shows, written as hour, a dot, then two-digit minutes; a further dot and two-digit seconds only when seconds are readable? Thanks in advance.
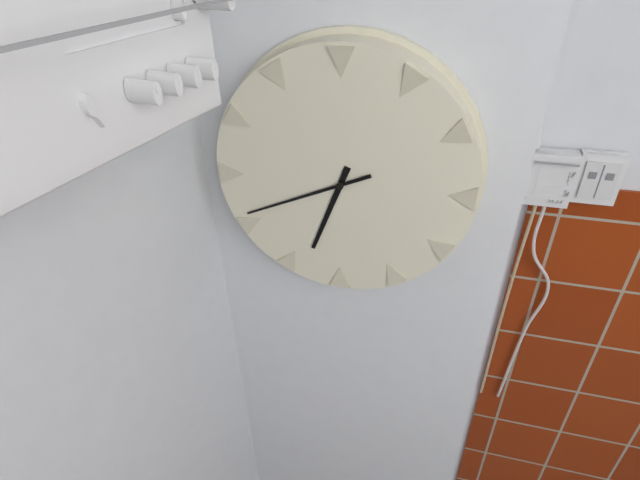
6.41
